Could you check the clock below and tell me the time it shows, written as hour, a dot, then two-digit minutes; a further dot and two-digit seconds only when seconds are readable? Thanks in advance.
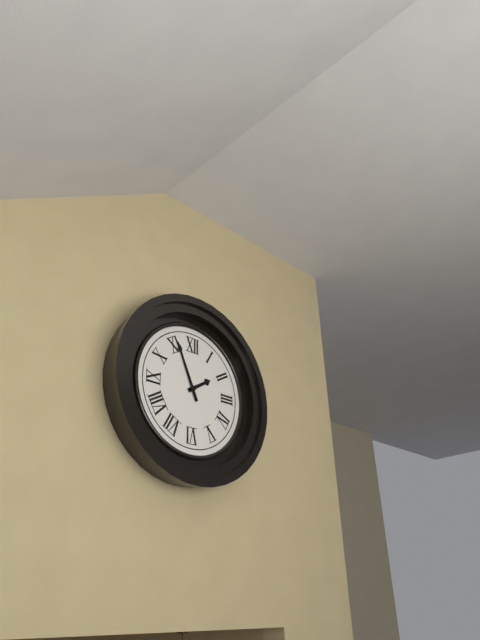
1.56
